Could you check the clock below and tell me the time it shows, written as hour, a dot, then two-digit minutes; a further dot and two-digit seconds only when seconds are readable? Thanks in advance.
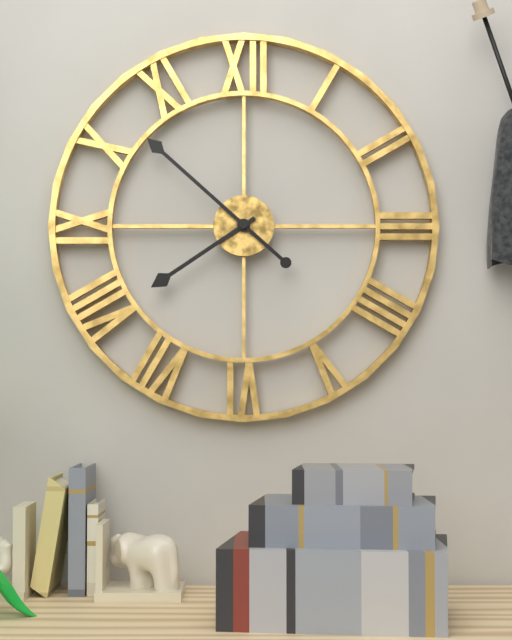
7.52
